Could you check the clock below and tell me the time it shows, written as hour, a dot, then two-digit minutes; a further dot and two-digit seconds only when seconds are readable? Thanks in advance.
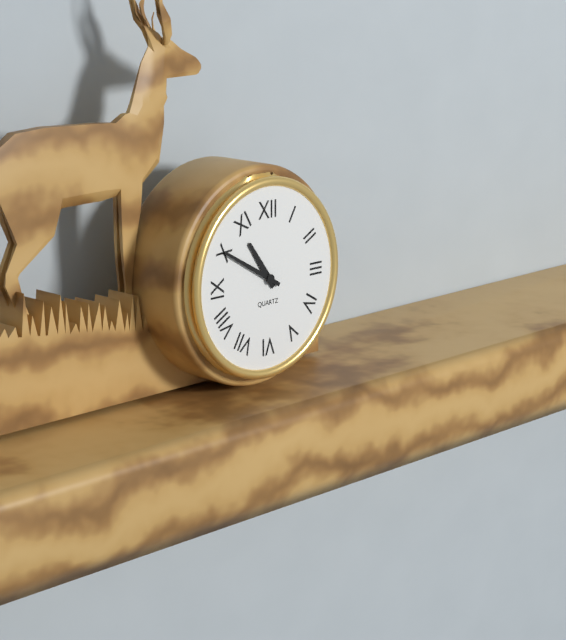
10.50
